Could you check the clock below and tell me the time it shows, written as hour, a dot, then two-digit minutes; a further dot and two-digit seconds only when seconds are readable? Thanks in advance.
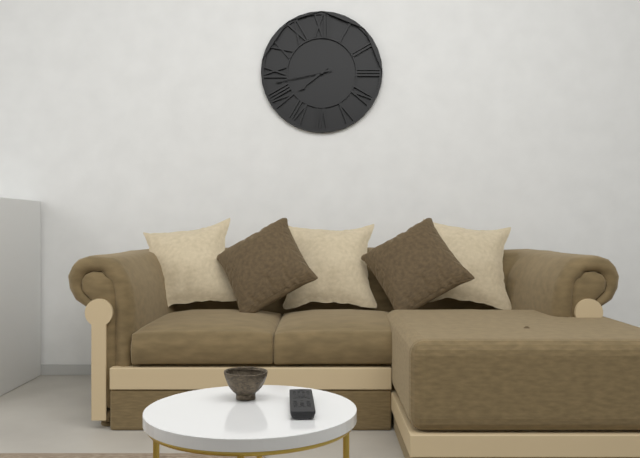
7.43
